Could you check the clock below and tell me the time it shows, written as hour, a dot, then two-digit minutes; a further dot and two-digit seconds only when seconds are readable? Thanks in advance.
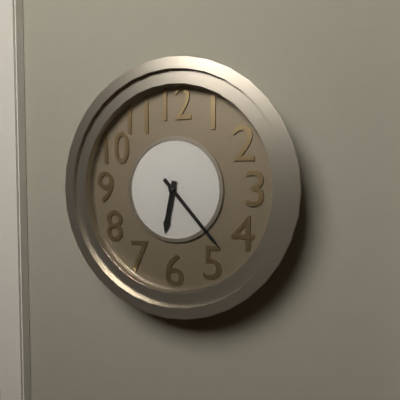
6.23
